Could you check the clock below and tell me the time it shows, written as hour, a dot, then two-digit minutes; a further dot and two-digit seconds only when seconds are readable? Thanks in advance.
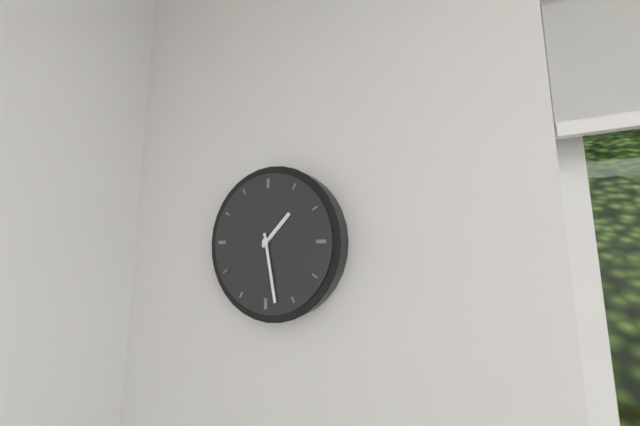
1.28
